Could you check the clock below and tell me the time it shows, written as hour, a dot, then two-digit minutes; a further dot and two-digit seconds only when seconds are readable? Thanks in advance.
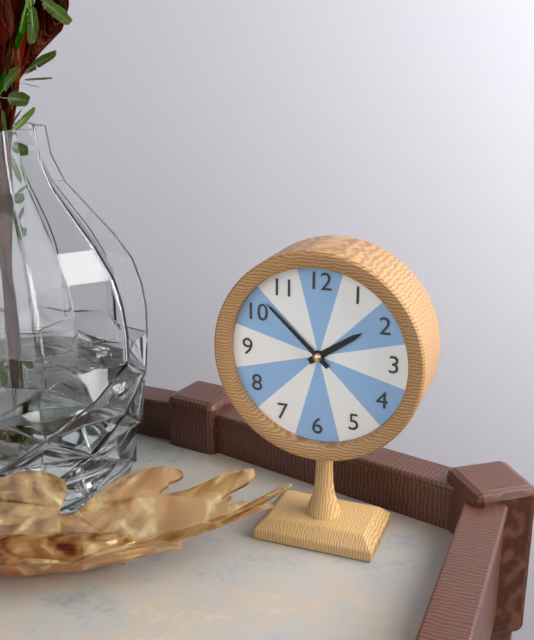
1.52
